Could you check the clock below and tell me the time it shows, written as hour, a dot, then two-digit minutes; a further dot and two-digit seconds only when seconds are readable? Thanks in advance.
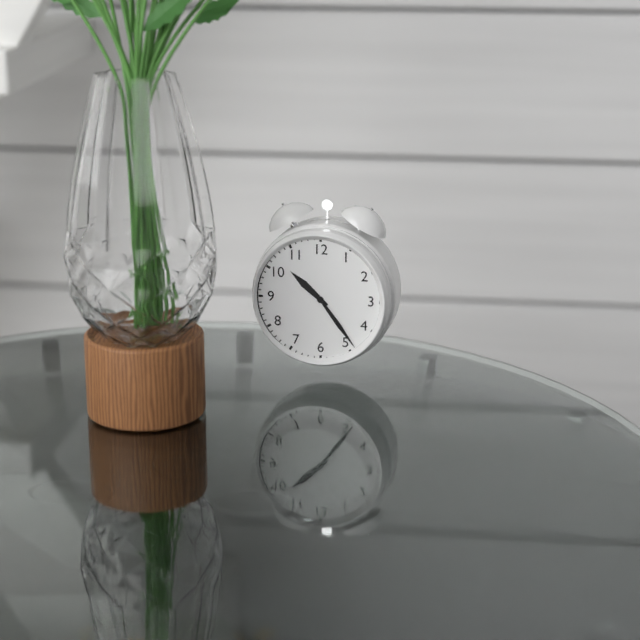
10.24
